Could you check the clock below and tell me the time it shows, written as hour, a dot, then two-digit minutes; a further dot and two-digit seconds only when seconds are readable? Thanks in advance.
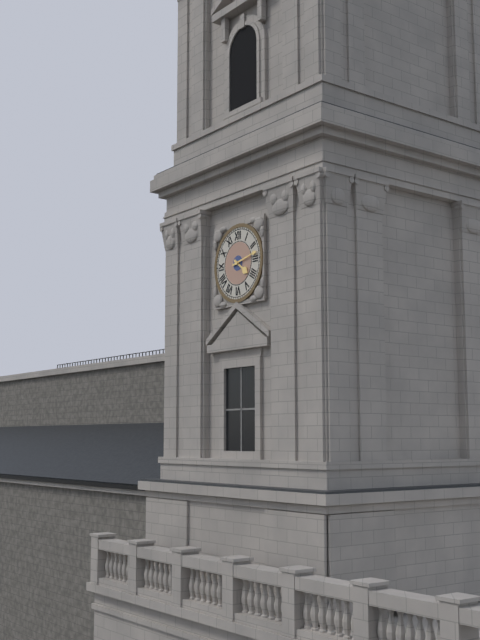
4.13
